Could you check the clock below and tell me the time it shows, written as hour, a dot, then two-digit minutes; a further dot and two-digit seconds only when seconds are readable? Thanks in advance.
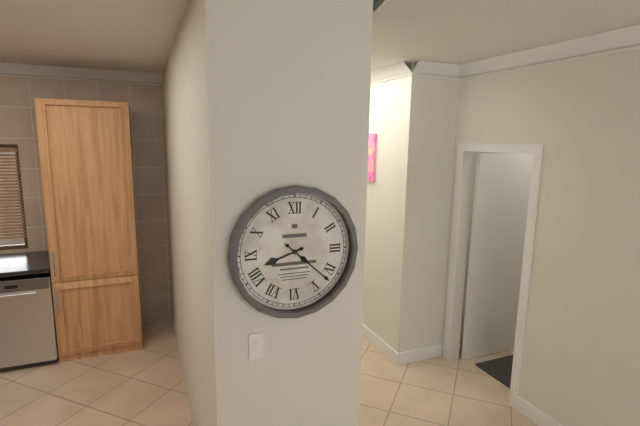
8.22
